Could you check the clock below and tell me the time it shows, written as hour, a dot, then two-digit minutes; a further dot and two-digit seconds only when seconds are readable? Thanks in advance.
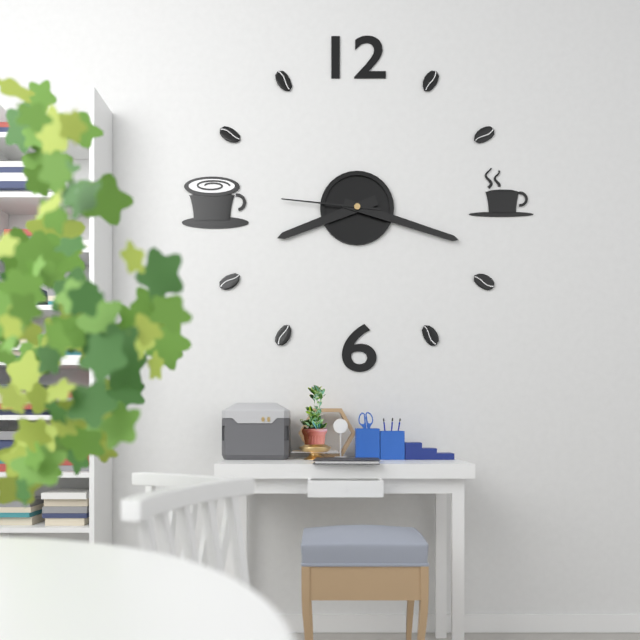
8.18.46
